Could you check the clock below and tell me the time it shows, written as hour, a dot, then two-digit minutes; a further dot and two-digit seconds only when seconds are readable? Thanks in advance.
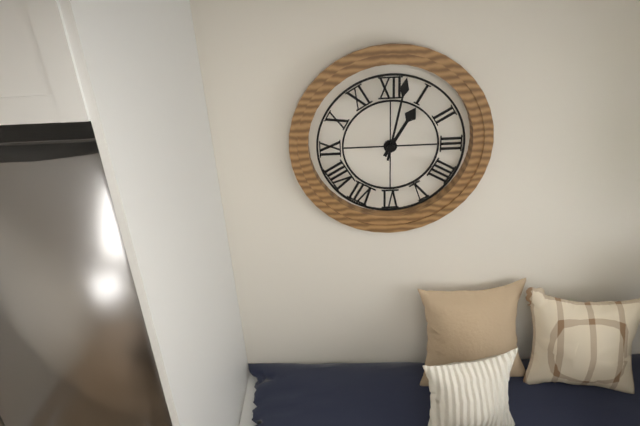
1.02
